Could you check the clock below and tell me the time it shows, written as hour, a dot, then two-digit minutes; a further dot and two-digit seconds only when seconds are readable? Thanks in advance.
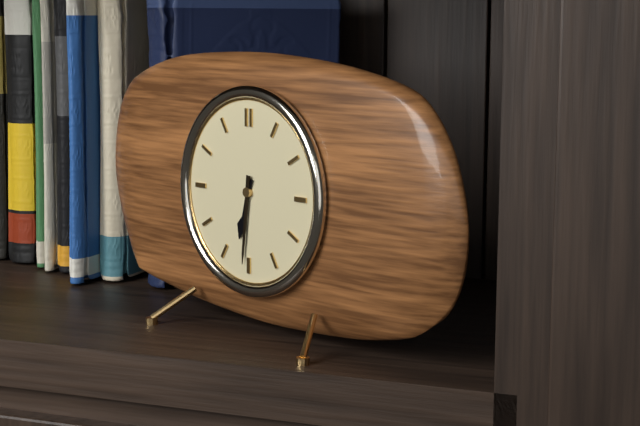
6.31
